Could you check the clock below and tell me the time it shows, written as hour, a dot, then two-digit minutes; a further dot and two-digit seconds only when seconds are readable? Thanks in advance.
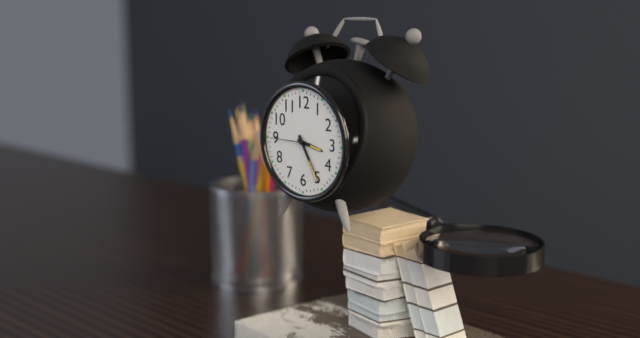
3.25
